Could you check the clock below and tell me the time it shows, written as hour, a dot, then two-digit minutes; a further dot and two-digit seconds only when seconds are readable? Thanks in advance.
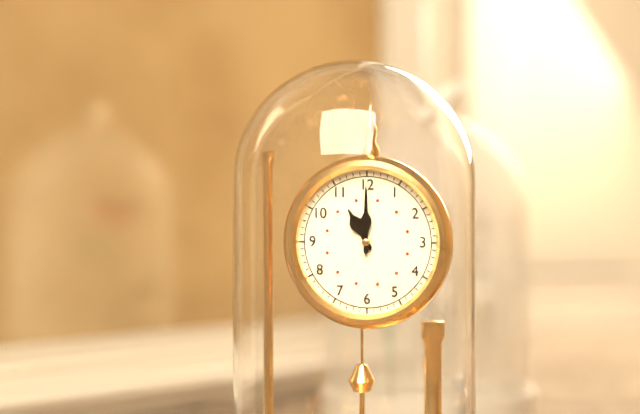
11.00
